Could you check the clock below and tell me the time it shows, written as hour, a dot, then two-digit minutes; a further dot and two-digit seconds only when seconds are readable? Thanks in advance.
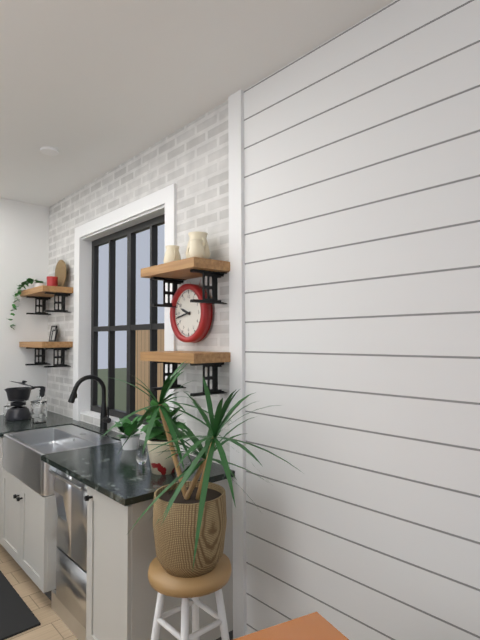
9.43
